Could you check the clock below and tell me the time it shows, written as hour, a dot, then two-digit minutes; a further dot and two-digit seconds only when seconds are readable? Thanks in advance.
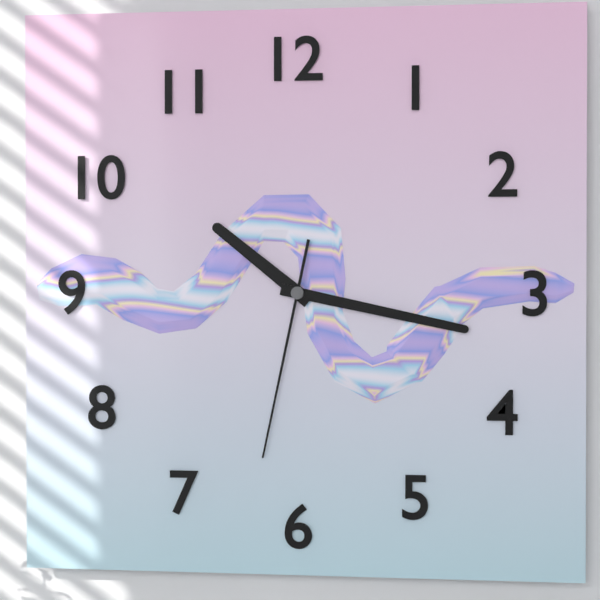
10.17.32
